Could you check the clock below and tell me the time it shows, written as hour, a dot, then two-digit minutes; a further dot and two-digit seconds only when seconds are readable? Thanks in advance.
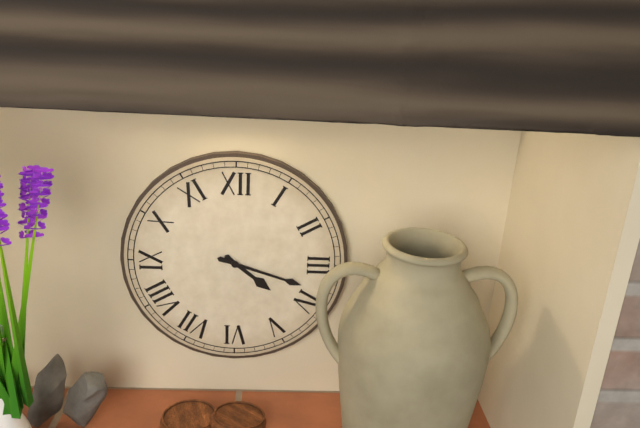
4.18
